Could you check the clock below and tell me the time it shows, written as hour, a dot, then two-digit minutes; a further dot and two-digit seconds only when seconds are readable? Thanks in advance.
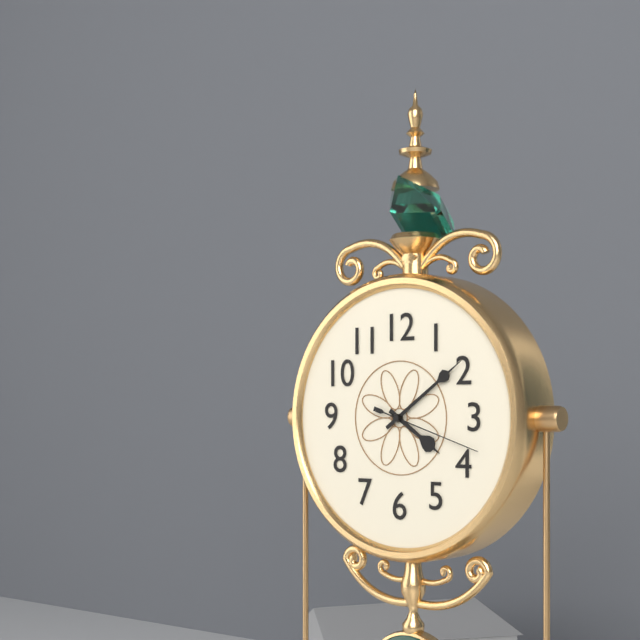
4.09.18
